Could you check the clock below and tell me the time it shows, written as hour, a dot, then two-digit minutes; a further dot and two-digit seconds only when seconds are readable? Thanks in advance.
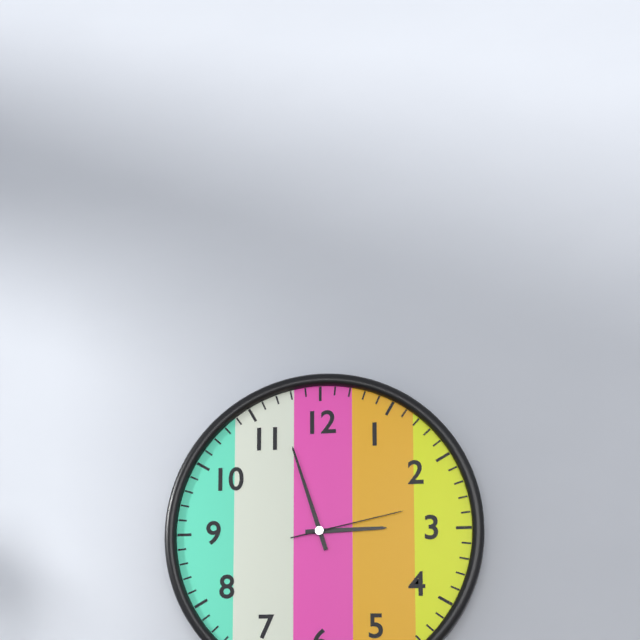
2.57.13
